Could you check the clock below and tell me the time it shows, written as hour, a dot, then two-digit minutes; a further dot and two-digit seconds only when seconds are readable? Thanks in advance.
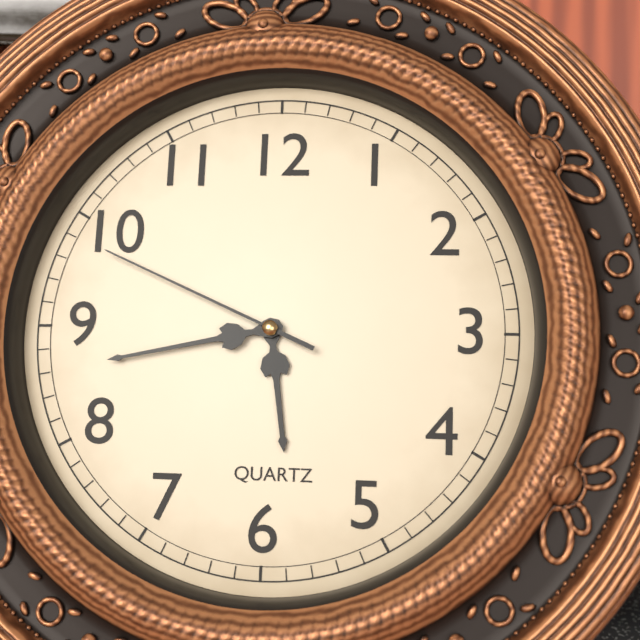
5.43.49
